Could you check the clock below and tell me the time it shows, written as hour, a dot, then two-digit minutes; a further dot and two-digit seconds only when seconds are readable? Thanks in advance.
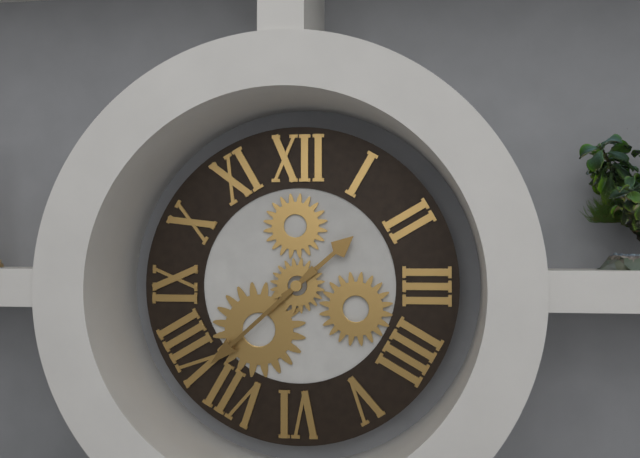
1.38
